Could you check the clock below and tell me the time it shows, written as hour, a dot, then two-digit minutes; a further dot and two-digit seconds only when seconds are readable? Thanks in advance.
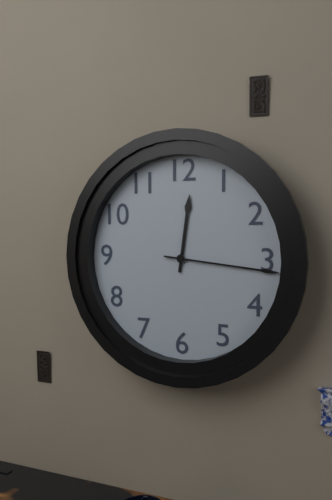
12.16
